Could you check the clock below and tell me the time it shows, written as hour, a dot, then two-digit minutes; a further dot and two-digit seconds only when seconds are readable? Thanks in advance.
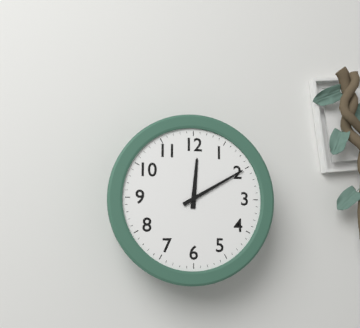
12.10
